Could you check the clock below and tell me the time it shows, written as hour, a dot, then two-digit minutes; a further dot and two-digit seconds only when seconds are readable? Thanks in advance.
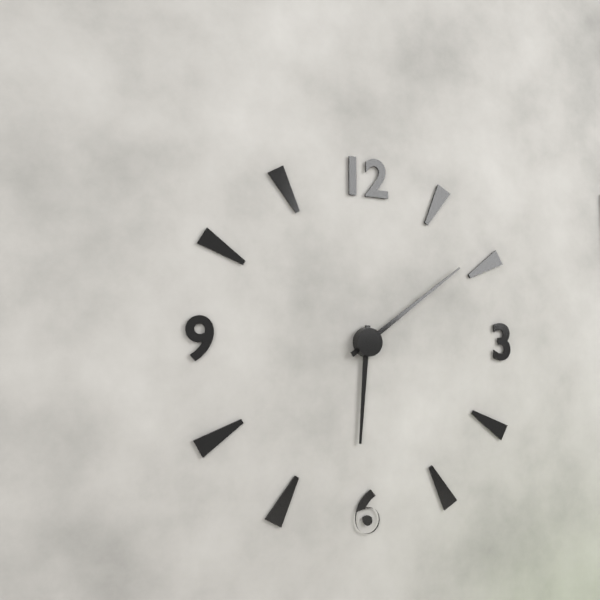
6.09
